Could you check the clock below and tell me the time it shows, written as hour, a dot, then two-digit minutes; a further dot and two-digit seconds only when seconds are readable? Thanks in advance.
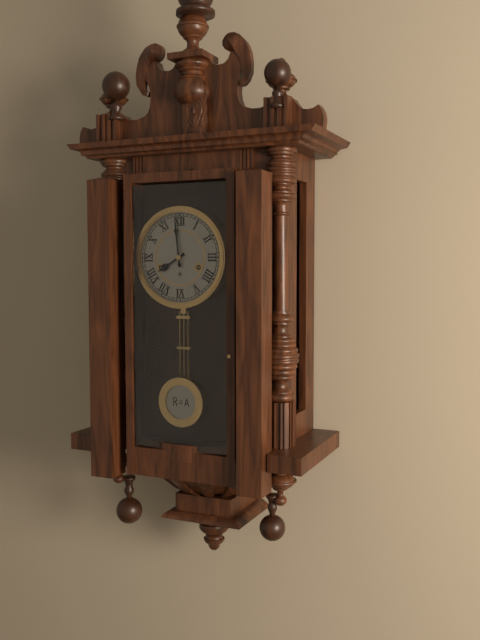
7.59
